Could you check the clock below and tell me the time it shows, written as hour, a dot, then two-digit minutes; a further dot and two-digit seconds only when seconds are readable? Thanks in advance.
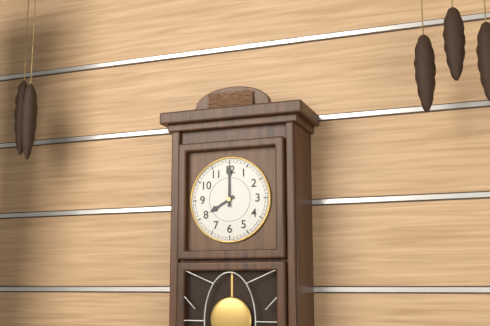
8.00
